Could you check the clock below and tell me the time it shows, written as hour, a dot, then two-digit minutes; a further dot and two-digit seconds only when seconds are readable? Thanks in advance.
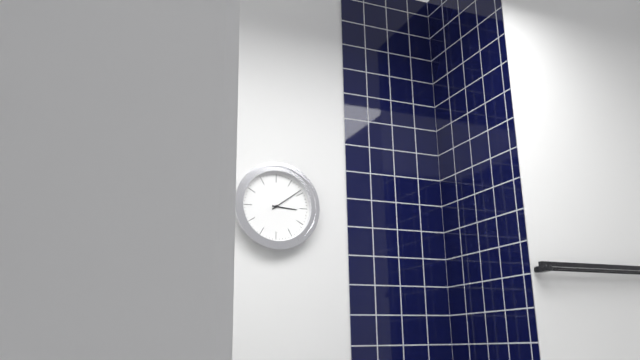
3.09
